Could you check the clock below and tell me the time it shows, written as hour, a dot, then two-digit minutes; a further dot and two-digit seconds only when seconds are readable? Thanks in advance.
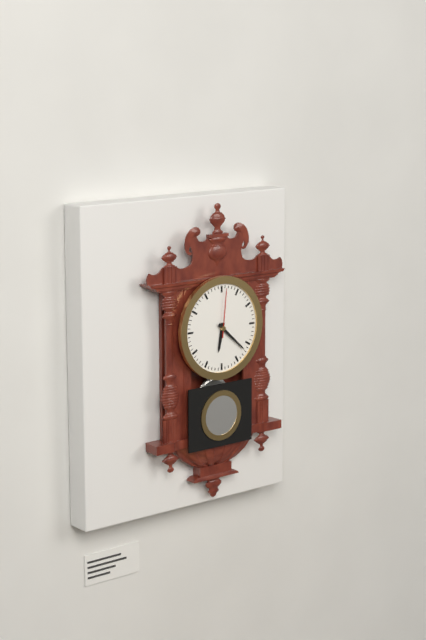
6.22.01
